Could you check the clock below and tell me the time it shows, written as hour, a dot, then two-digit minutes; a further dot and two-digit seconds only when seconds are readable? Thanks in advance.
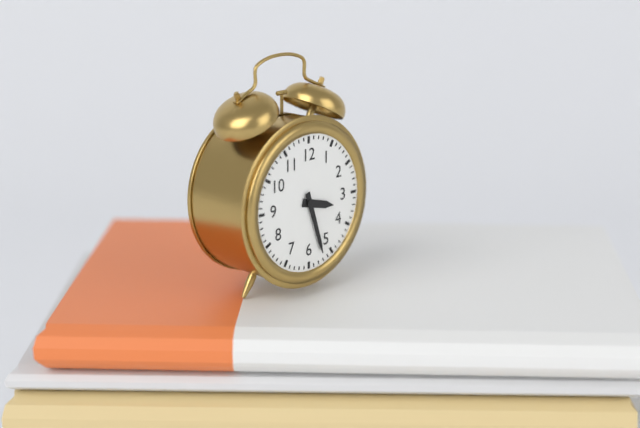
3.27
